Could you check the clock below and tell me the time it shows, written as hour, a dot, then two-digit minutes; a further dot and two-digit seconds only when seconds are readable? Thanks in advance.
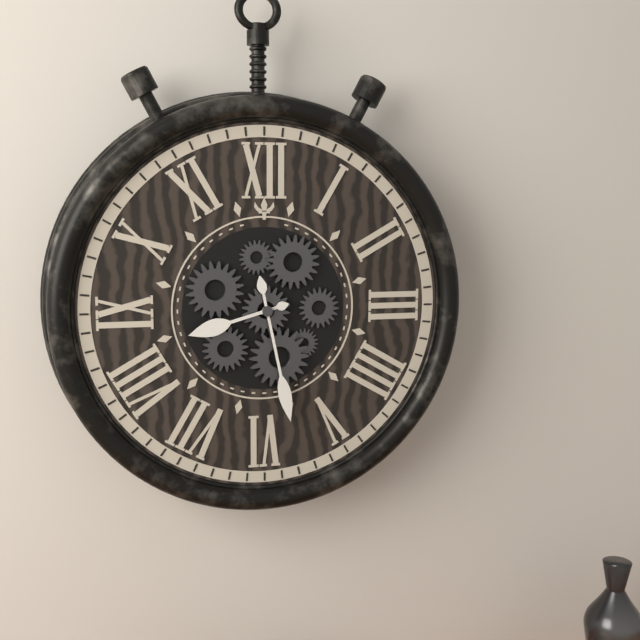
8.28
